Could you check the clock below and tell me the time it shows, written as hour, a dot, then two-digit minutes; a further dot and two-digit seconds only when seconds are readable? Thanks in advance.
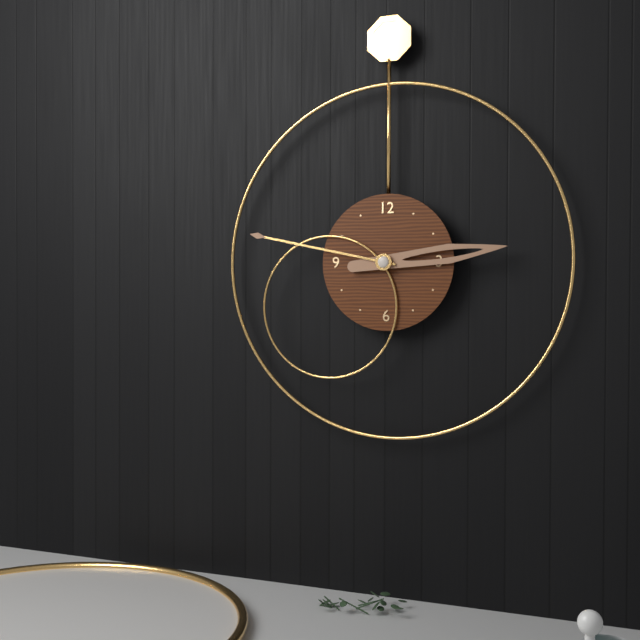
2.47
